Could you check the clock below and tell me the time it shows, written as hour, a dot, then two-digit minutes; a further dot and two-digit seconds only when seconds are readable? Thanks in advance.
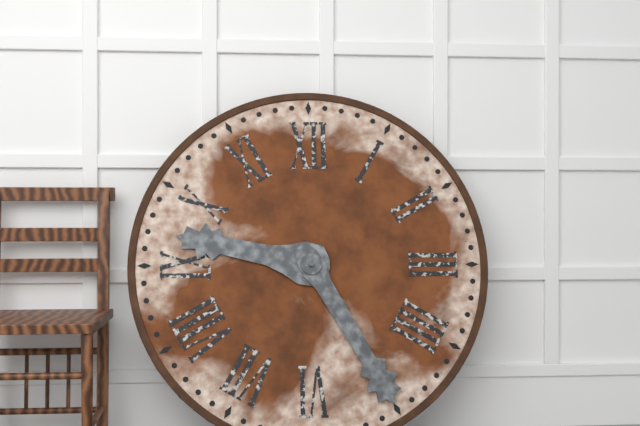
9.25
